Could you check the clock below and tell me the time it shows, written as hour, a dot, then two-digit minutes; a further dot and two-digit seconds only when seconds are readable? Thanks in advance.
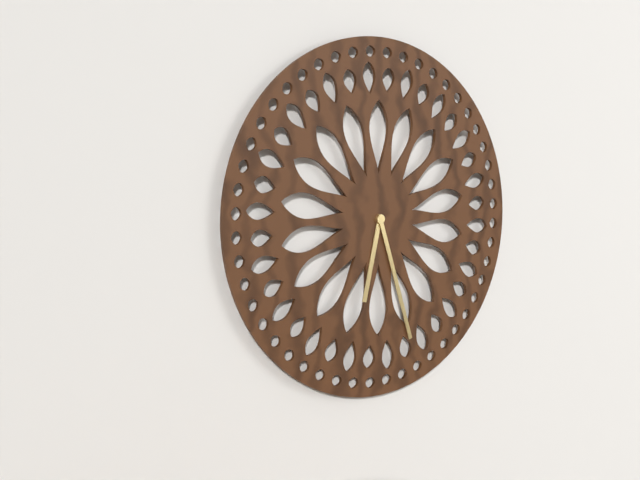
6.27
